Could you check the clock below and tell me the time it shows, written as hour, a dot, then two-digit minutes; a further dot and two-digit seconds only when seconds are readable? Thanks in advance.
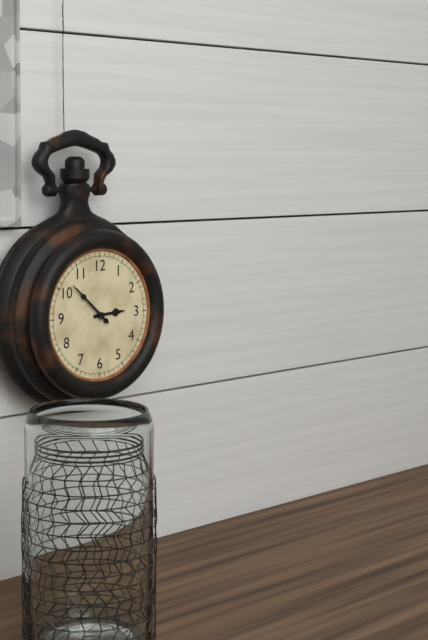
2.52
